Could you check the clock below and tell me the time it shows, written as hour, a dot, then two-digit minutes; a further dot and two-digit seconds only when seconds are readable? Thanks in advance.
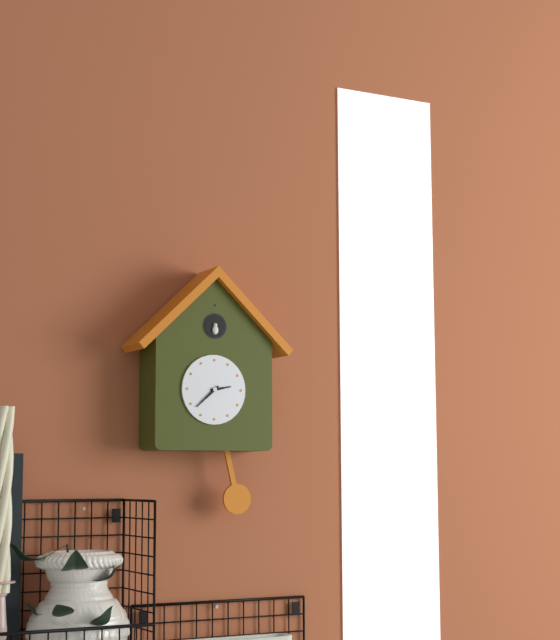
2.38
